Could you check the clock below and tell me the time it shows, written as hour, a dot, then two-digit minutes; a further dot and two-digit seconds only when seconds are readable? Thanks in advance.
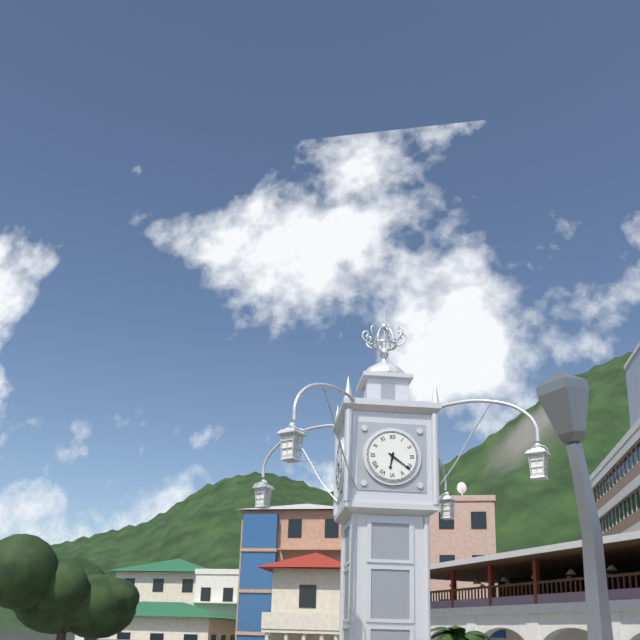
6.21
